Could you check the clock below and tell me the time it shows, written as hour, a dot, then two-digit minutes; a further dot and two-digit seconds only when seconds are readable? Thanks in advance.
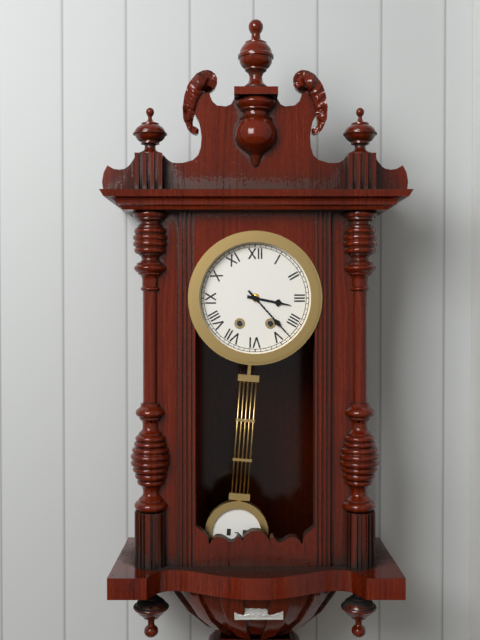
3.23
